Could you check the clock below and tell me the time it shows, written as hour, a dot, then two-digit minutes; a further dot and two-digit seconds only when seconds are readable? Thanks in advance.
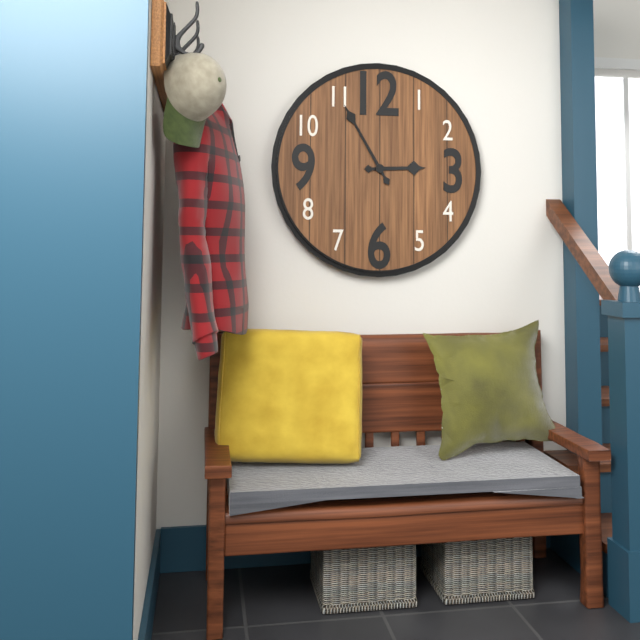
2.55
